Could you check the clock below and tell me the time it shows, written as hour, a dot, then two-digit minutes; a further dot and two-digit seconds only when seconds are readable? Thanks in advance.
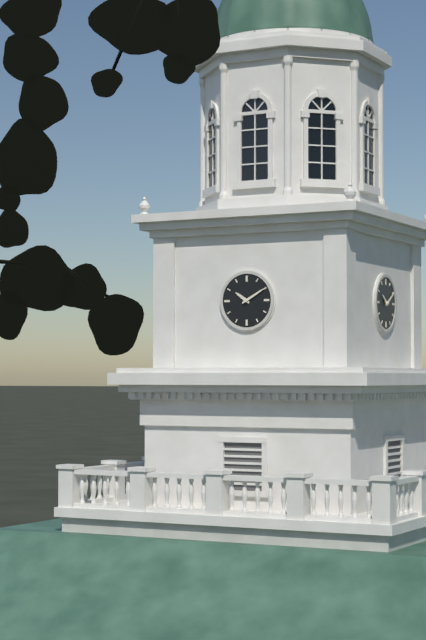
10.10
